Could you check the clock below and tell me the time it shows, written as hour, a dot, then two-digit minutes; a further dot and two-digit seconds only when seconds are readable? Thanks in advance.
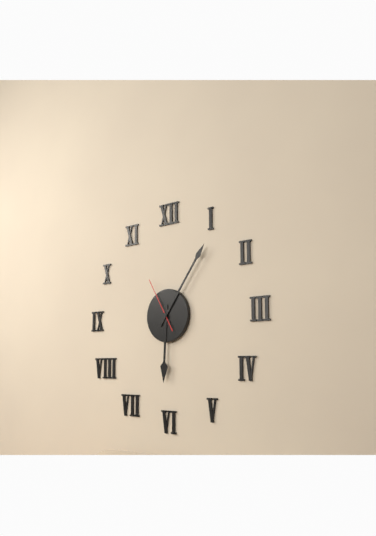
6.06.55
